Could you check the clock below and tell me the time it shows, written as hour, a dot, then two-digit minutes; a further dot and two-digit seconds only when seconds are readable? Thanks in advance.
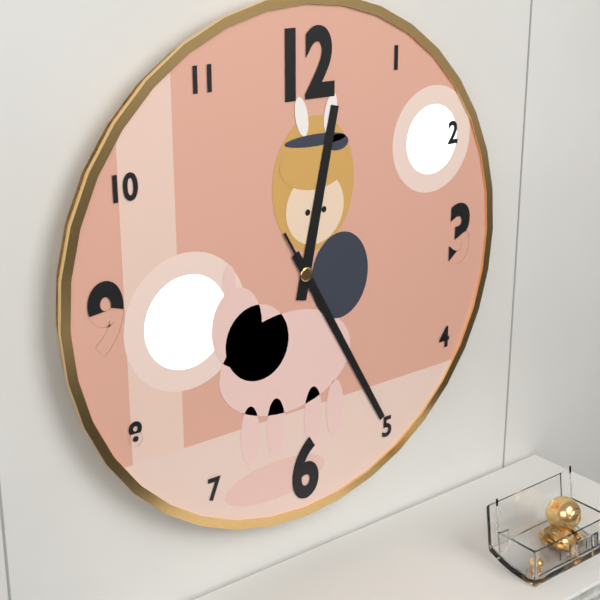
12.25.25
